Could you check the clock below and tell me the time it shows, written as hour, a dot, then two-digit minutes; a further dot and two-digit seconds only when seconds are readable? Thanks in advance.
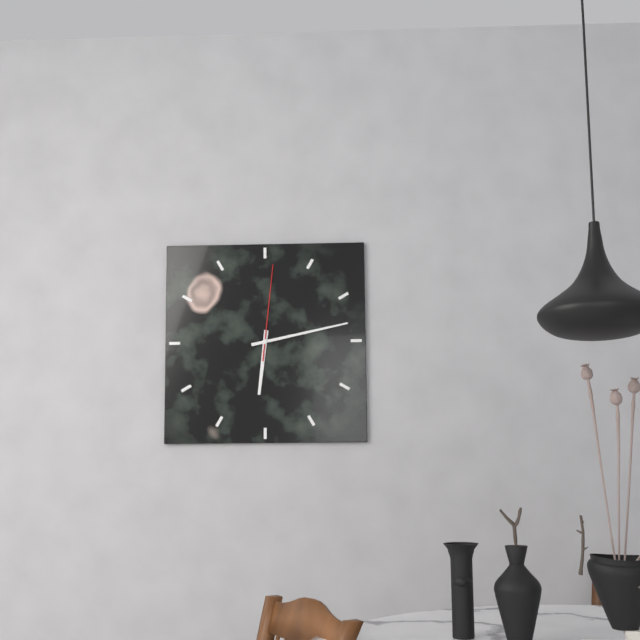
6.13.01
